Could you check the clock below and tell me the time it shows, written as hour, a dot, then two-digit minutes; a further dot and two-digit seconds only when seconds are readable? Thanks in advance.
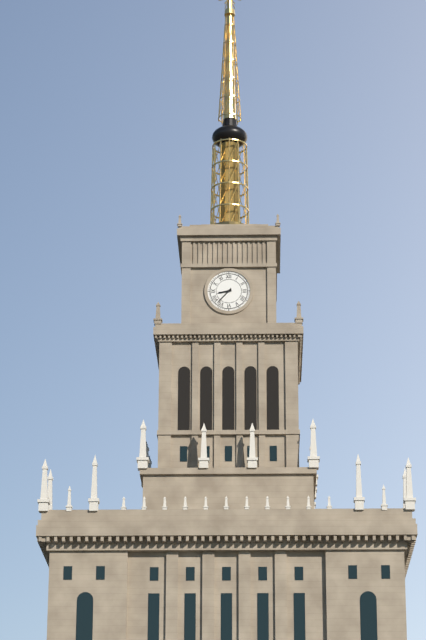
8.37
